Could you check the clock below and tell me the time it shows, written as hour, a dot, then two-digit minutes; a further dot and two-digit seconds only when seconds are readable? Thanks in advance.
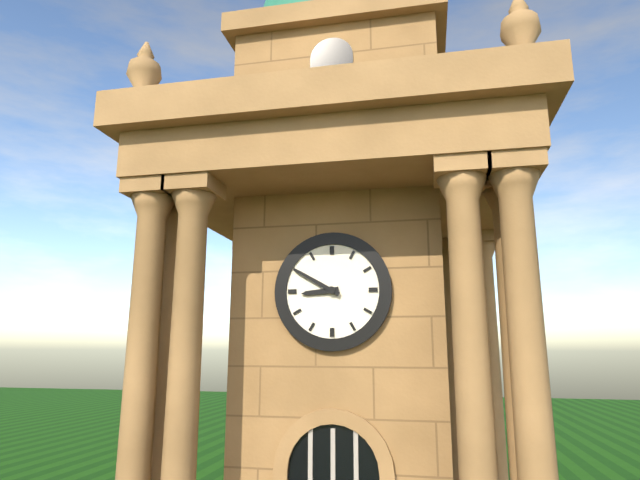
8.50
